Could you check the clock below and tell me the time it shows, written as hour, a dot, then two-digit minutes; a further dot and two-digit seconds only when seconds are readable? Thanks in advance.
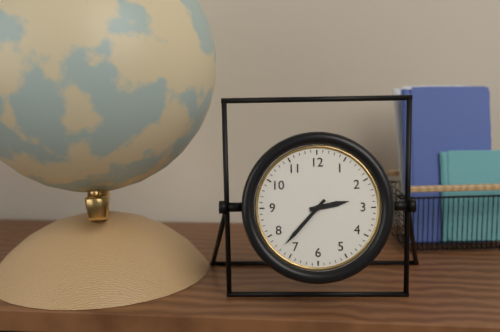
2.37
